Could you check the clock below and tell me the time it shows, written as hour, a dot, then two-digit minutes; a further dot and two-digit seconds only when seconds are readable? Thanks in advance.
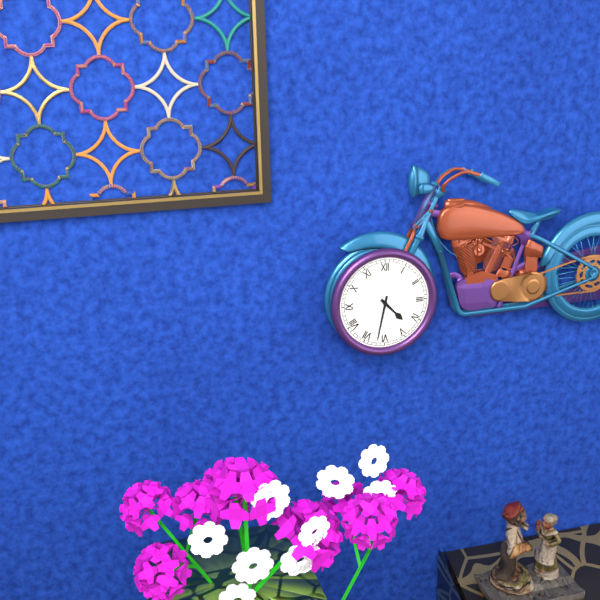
4.32
